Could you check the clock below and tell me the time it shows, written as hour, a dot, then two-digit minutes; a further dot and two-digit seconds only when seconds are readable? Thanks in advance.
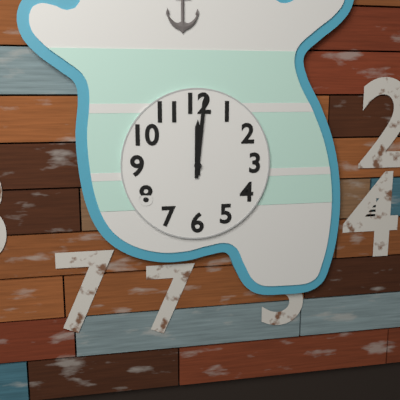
12.01
